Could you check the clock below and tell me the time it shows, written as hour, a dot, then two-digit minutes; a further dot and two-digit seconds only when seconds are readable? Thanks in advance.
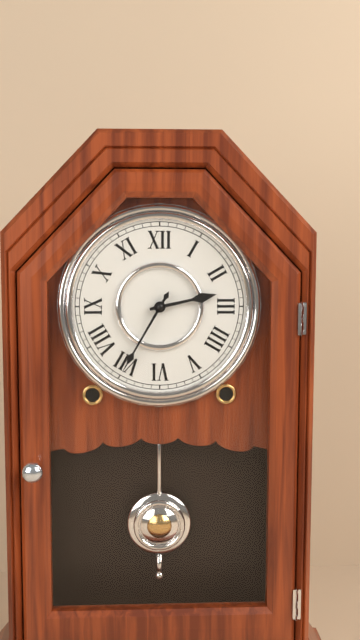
2.35
